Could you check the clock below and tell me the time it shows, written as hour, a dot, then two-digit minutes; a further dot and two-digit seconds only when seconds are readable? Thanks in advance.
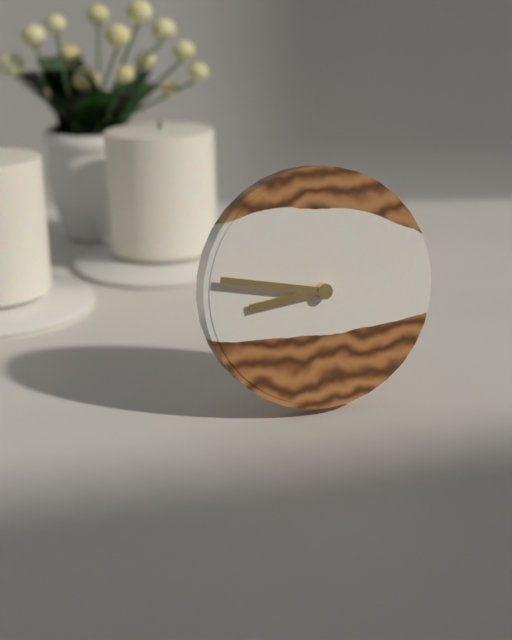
8.47
